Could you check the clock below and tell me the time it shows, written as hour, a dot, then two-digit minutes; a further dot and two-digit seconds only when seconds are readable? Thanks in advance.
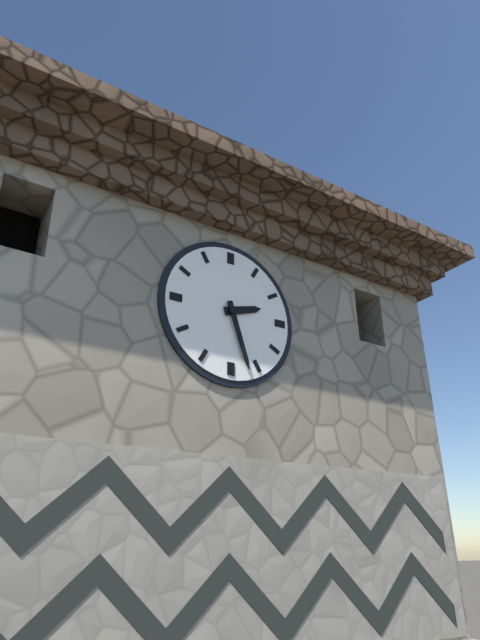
2.27
